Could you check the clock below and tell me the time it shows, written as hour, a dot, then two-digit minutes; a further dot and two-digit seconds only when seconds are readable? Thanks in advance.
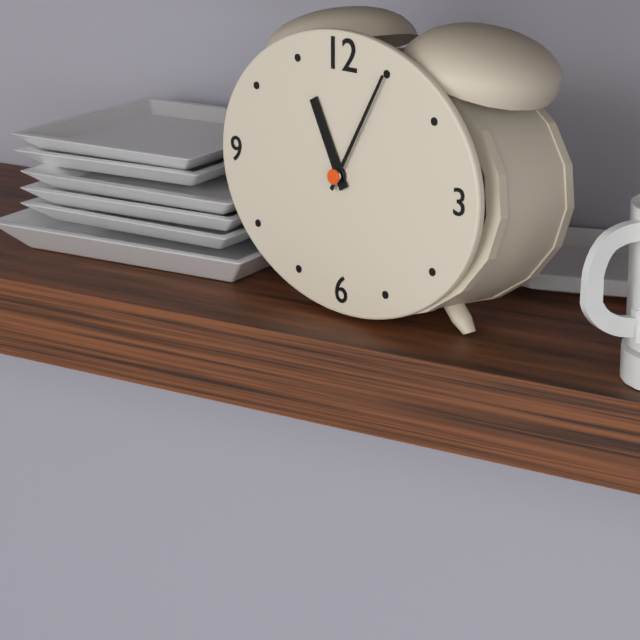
11.05
